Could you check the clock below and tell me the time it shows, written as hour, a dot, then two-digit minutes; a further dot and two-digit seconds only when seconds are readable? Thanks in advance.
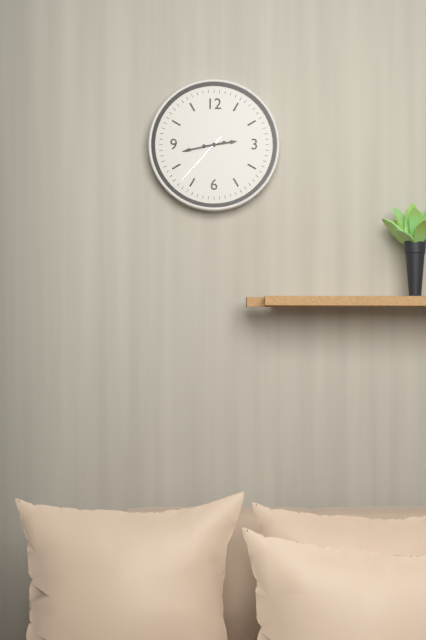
2.43.37
